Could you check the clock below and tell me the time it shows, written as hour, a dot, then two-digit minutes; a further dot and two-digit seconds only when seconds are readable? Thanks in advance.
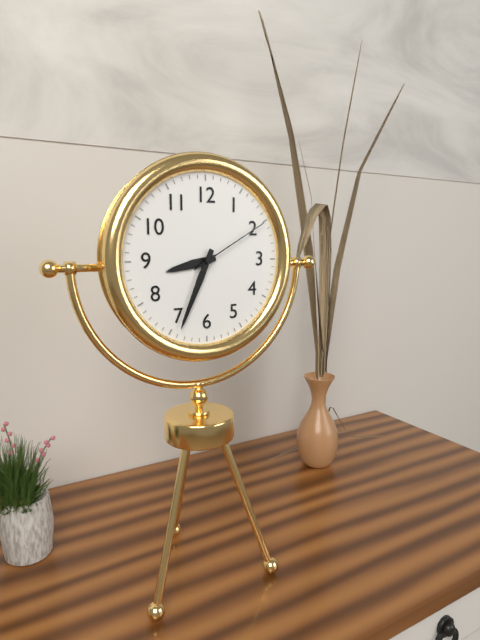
8.34.10
